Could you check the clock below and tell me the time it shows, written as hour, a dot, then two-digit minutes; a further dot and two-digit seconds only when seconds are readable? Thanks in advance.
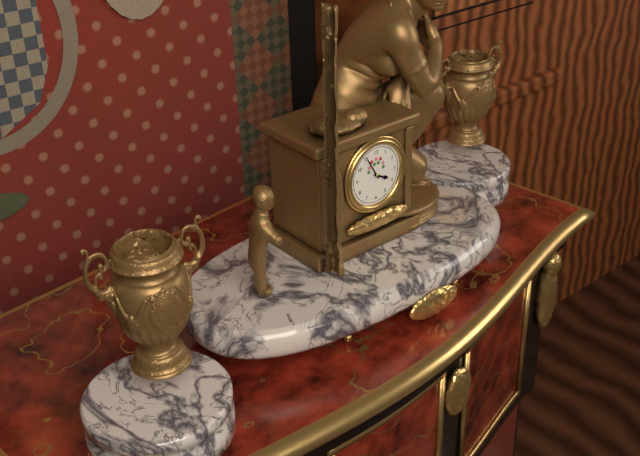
3.55
